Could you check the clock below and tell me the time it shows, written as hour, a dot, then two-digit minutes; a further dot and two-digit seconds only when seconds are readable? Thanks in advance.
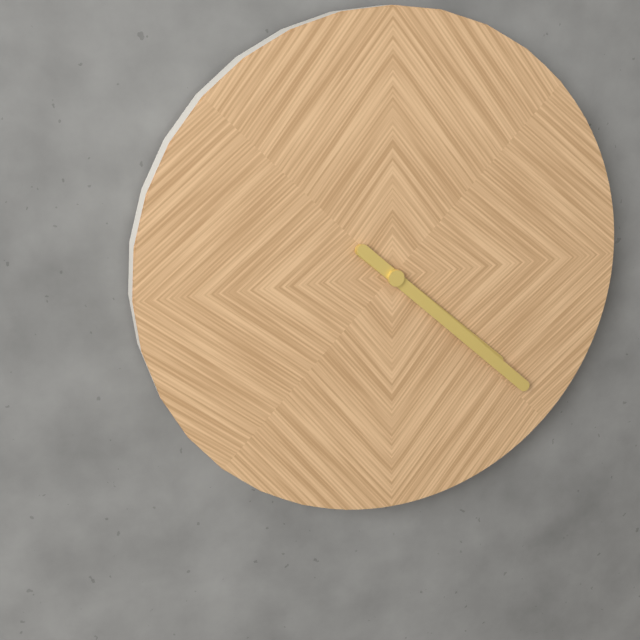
4.22
